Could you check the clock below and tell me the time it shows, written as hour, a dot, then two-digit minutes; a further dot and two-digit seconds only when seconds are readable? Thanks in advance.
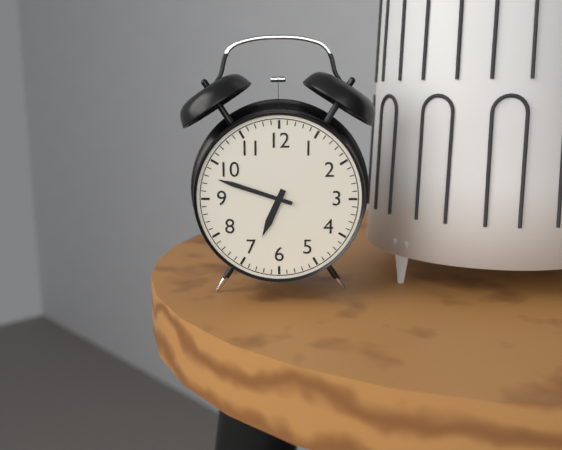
6.48
